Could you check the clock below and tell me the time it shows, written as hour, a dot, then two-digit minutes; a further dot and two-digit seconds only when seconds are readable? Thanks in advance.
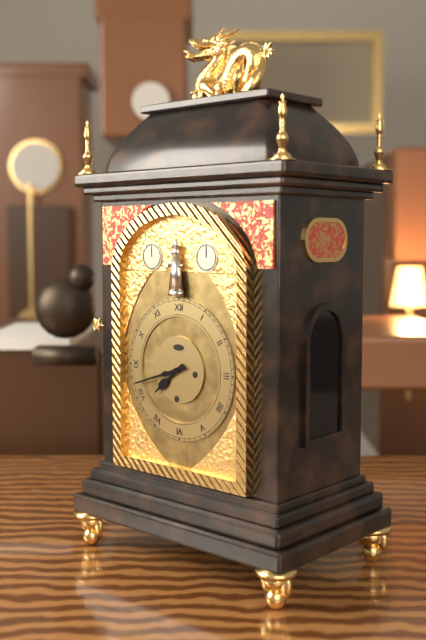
7.42
